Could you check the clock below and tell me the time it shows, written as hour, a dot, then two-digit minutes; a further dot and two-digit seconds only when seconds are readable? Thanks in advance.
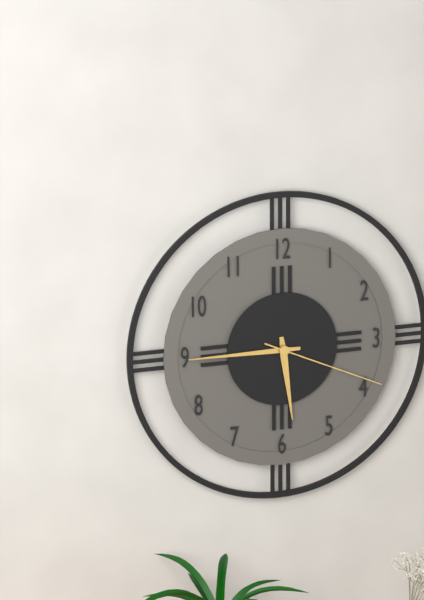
5.45.19
